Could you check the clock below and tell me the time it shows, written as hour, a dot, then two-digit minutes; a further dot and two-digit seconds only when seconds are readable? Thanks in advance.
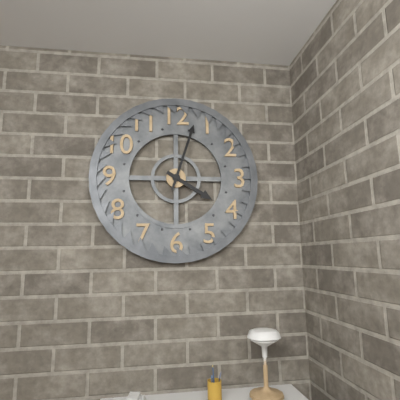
4.03
